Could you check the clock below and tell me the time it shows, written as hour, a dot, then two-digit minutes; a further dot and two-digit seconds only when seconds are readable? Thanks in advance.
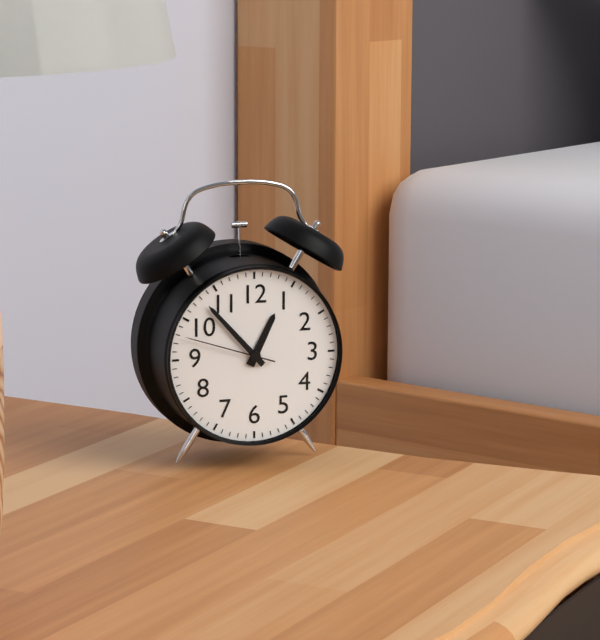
12.53.48
